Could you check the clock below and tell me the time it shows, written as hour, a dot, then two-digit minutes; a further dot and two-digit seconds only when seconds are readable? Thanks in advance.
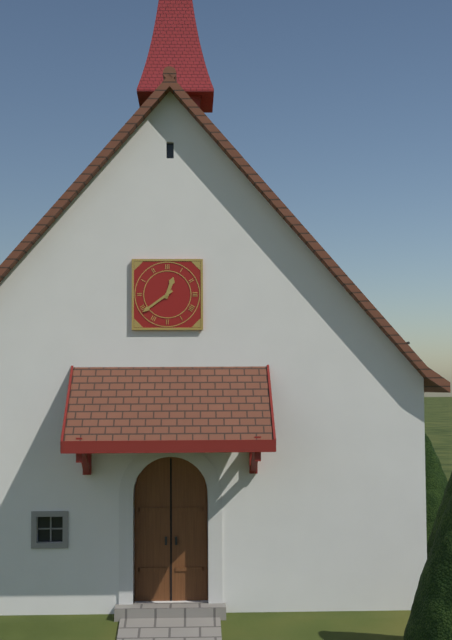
12.39
